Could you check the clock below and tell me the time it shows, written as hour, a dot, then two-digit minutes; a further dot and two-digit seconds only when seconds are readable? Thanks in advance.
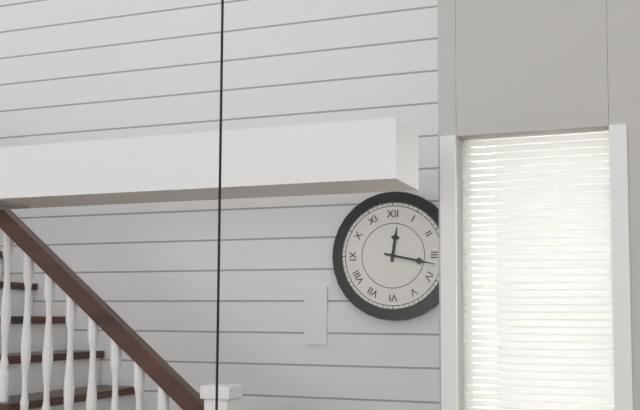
12.17
